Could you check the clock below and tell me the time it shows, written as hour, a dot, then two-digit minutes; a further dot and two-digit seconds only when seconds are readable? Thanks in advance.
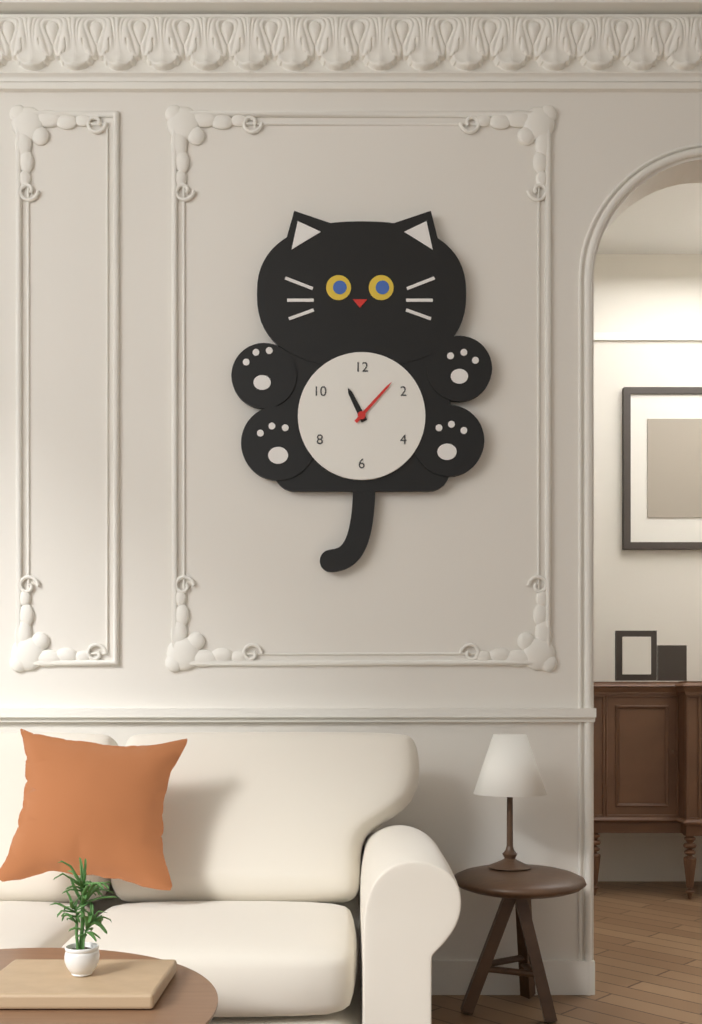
11.07
